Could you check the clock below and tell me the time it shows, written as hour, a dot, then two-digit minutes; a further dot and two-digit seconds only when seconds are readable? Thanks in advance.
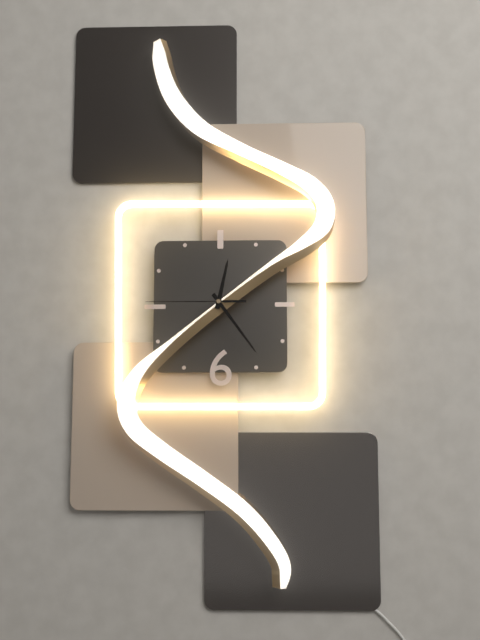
12.24.45
